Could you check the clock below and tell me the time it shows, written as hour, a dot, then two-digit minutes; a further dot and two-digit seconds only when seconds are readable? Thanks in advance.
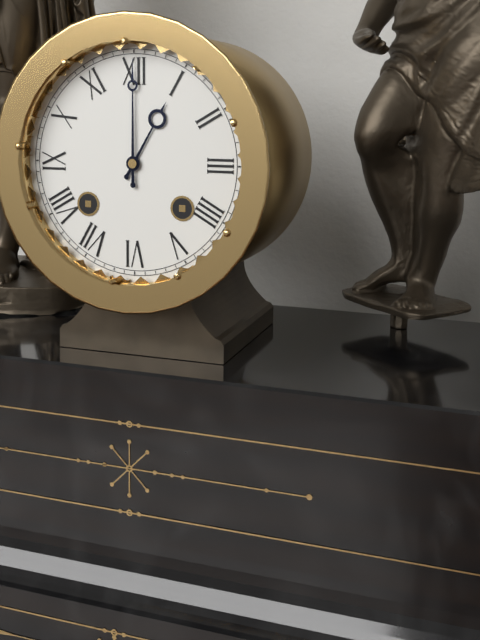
1.00
